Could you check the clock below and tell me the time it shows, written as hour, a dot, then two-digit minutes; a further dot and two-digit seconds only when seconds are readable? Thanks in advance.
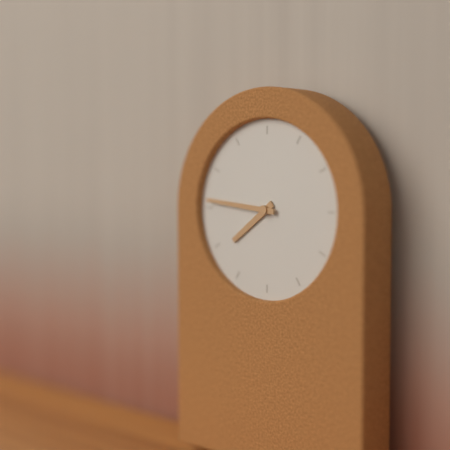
7.46
